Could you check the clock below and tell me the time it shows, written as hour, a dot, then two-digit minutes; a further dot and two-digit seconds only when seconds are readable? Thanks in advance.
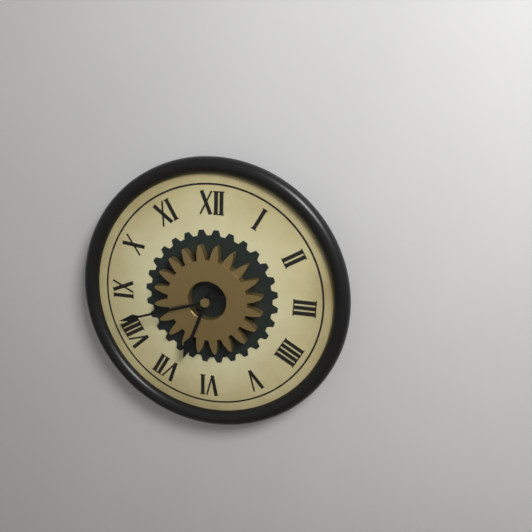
6.42
